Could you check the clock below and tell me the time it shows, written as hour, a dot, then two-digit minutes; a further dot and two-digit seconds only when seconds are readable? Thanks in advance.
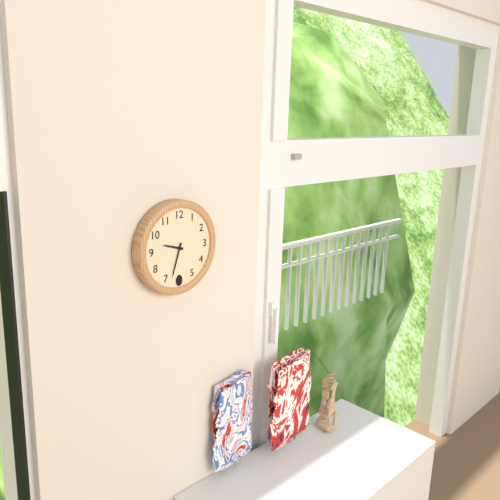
9.33
